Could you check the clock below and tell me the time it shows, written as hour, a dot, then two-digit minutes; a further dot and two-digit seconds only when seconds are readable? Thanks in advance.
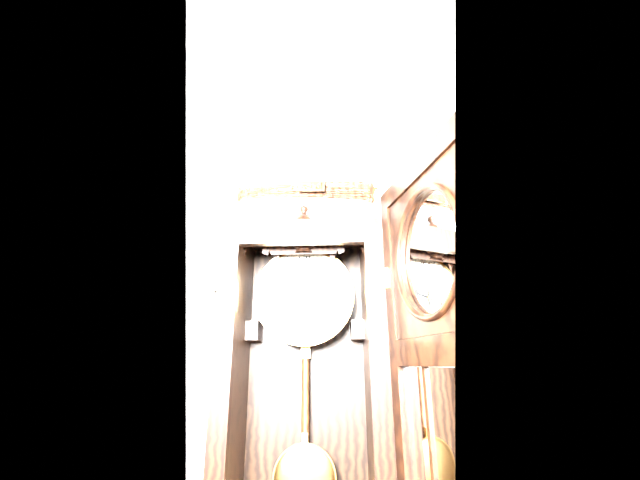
2.30
